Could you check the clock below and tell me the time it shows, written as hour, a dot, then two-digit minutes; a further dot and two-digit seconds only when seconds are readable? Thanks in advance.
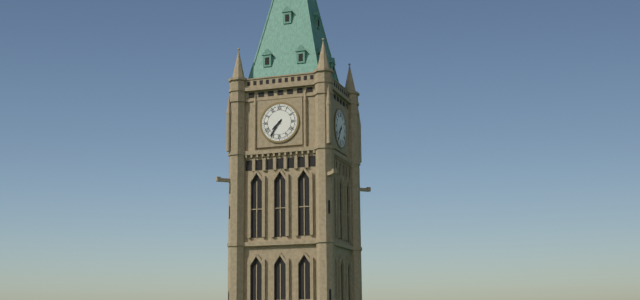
7.36
